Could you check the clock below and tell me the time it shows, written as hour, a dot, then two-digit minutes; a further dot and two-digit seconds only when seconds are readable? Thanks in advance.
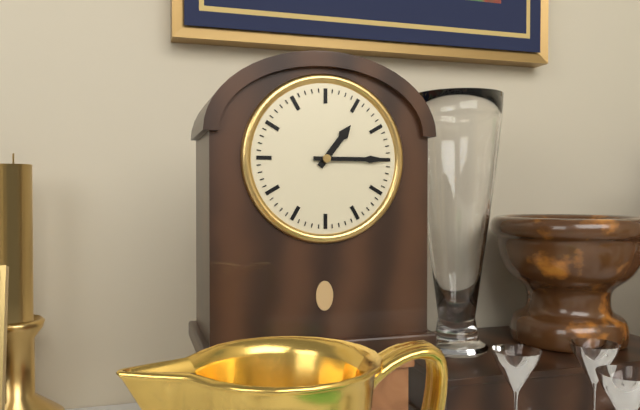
1.15
